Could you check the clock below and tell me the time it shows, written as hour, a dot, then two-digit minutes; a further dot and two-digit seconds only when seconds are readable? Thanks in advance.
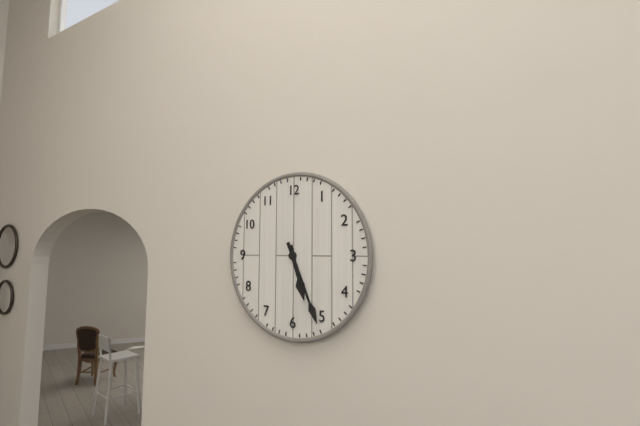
5.26
